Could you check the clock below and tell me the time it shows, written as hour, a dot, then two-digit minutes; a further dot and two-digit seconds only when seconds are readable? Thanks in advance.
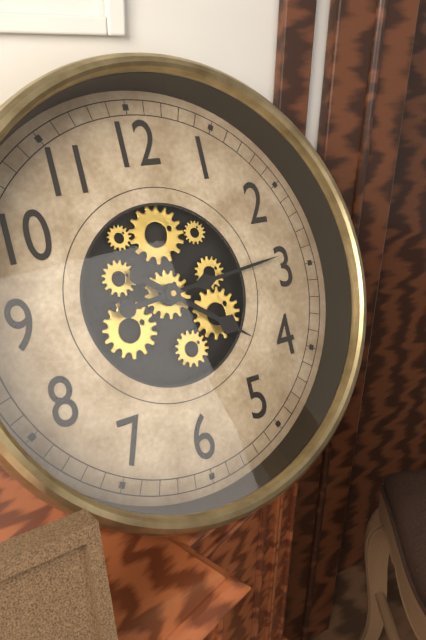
4.14
